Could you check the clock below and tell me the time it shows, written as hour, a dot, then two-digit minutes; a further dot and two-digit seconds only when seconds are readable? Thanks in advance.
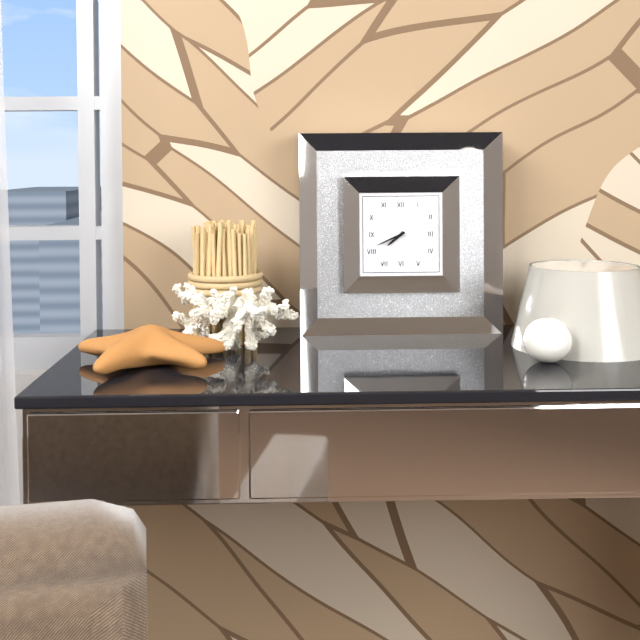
7.41
